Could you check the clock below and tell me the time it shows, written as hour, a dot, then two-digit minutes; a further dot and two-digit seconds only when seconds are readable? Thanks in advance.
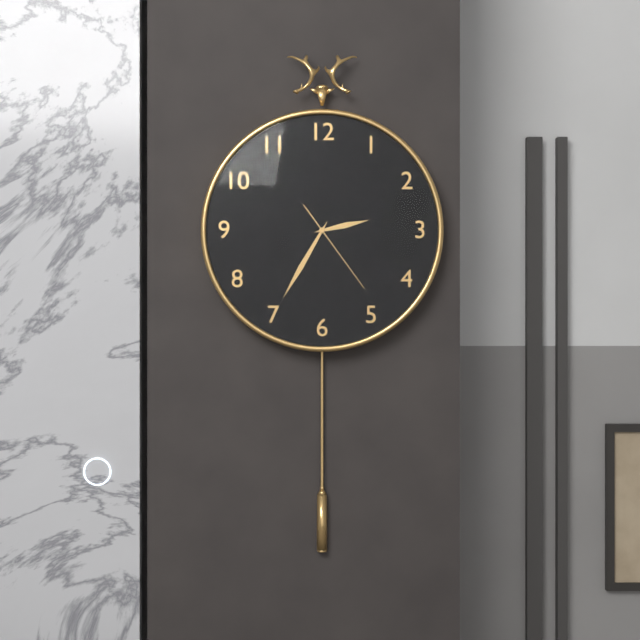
2.35.24
